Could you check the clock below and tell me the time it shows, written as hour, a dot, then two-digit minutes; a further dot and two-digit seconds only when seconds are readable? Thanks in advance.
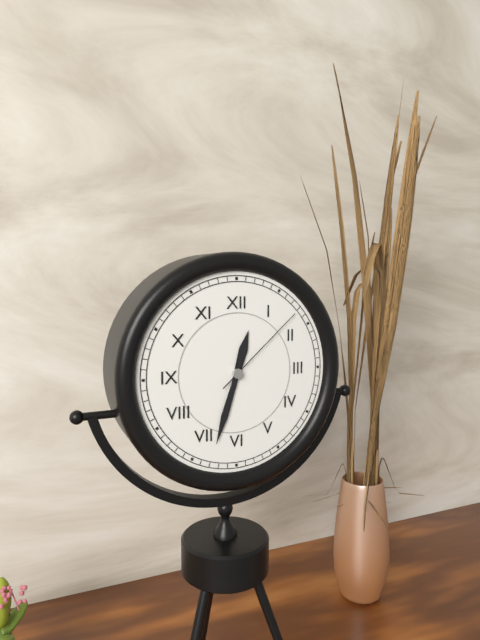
12.33.08
